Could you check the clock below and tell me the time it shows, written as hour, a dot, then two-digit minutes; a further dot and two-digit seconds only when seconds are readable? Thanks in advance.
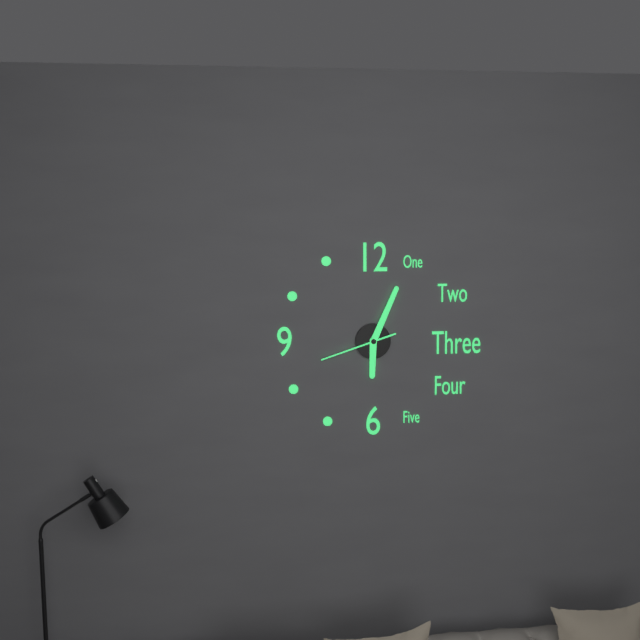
6.04.42
